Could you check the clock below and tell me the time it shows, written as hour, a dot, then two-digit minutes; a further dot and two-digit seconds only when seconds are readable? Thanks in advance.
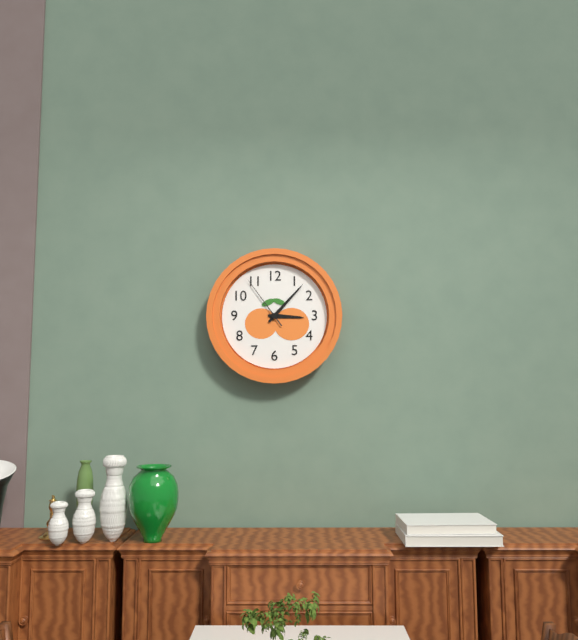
3.07.54
